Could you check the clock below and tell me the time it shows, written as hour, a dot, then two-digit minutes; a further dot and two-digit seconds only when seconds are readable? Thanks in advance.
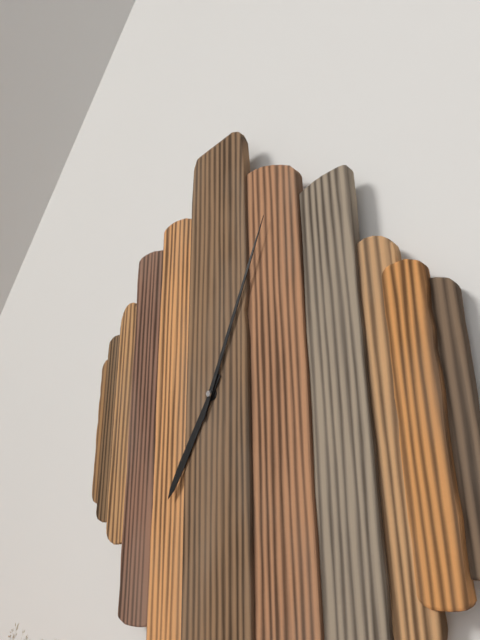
7.04
